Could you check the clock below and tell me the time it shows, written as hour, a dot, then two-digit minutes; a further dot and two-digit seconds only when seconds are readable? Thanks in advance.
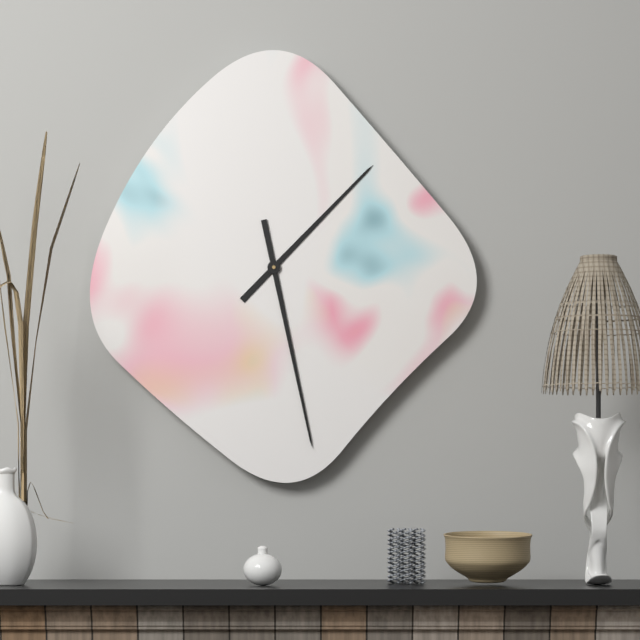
1.28
